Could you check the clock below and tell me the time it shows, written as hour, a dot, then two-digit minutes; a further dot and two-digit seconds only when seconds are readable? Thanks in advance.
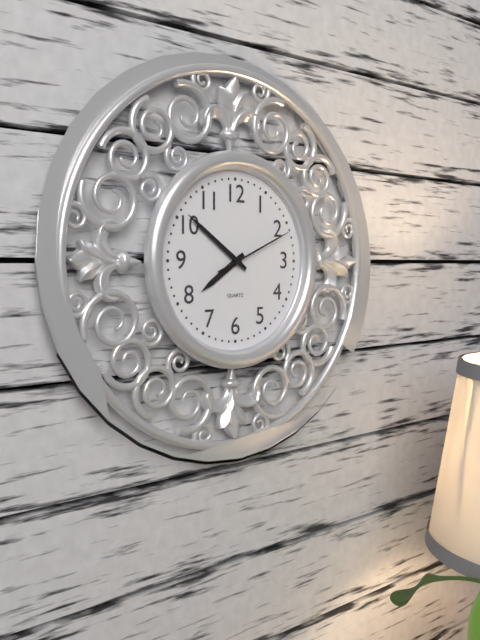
7.51.11
